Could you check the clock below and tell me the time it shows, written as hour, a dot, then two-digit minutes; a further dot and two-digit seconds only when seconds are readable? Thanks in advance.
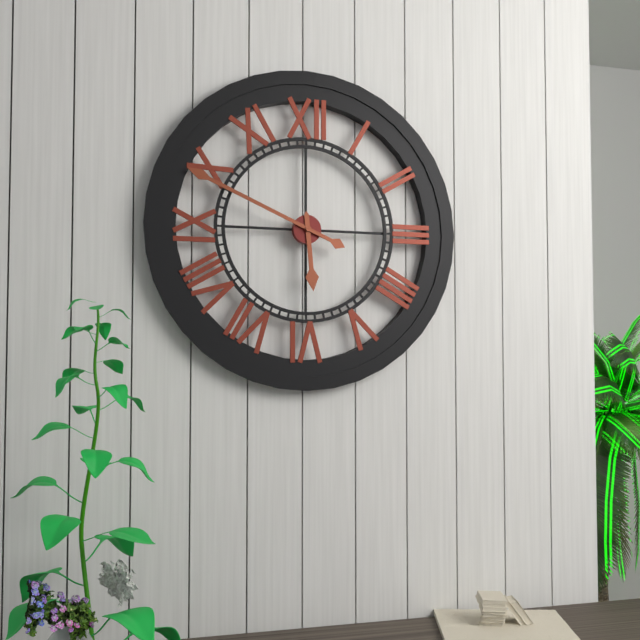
5.49
